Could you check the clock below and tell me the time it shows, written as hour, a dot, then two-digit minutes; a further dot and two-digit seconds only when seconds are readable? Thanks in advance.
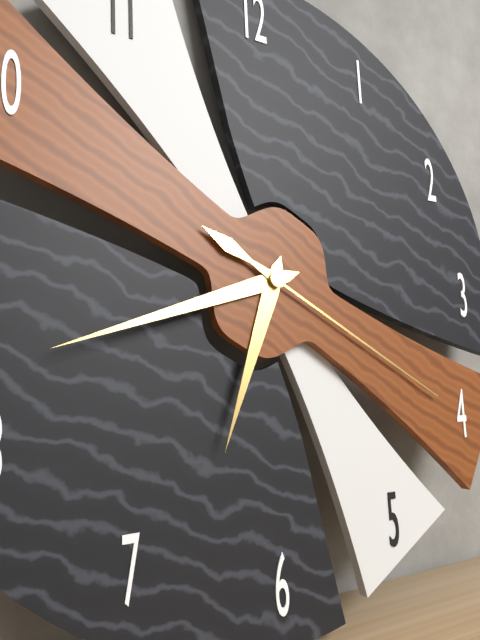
6.42.20
